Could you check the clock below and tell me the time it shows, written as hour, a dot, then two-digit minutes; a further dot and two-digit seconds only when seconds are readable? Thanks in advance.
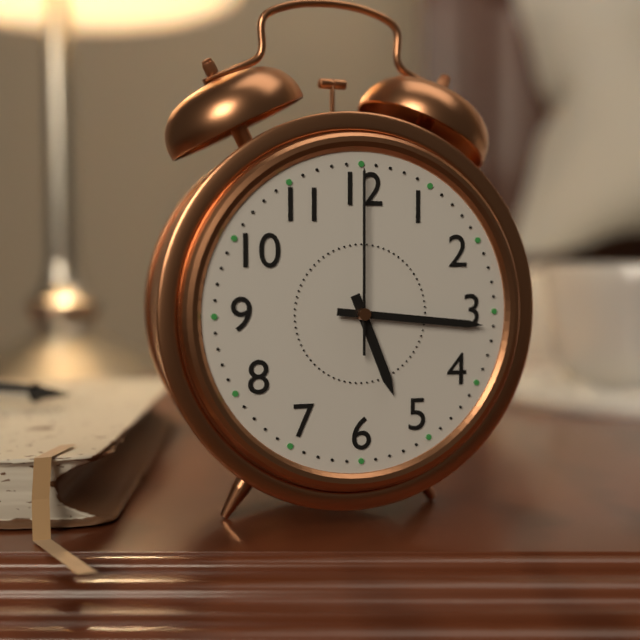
5.16.00
